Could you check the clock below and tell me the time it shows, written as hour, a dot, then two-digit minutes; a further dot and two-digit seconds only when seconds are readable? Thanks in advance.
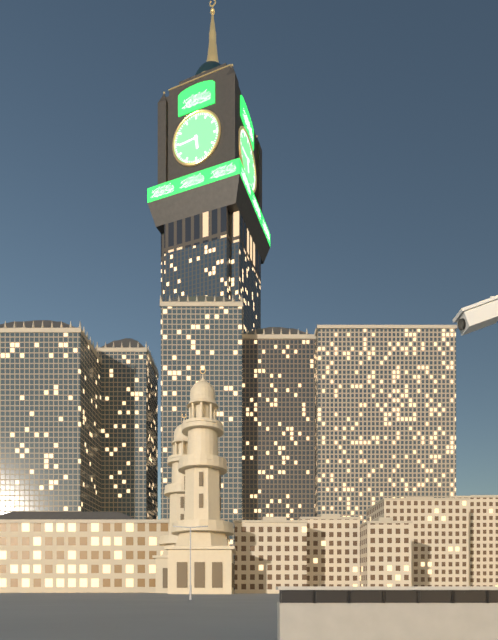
5.44
